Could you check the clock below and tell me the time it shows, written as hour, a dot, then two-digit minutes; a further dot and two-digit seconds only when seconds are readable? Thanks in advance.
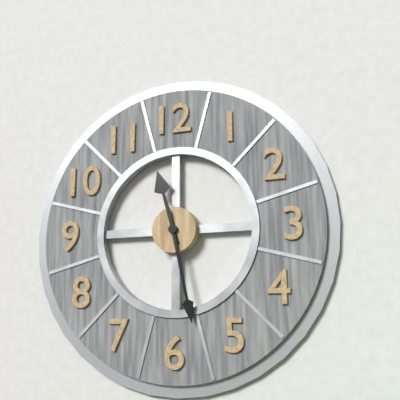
11.28
